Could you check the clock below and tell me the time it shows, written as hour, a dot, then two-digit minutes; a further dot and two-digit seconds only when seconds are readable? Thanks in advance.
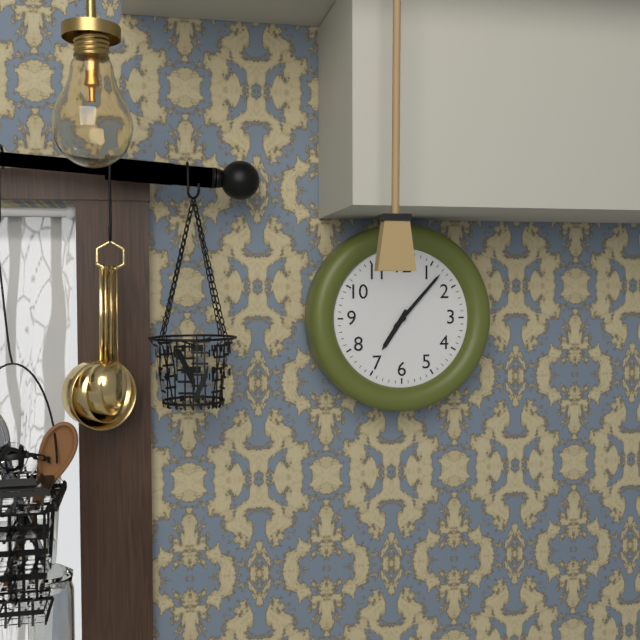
7.07
